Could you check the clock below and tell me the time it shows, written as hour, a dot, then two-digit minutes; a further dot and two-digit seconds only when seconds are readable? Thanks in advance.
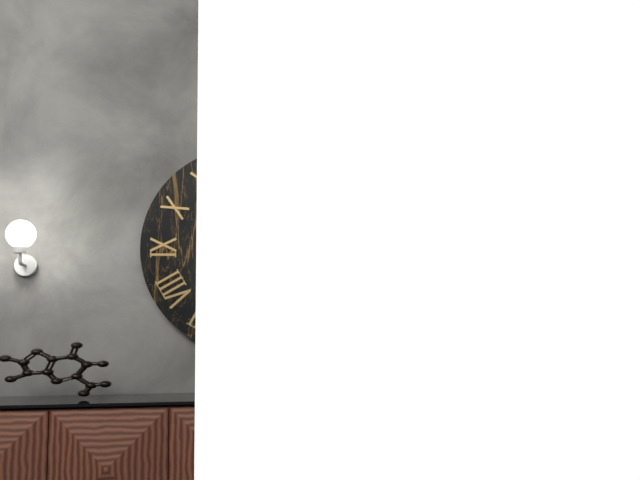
9.55
